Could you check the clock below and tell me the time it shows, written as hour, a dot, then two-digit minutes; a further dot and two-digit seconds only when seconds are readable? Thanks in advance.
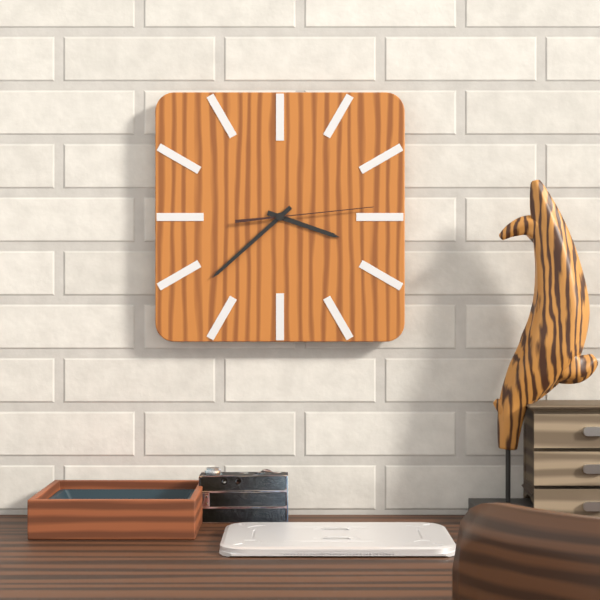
3.38.14
